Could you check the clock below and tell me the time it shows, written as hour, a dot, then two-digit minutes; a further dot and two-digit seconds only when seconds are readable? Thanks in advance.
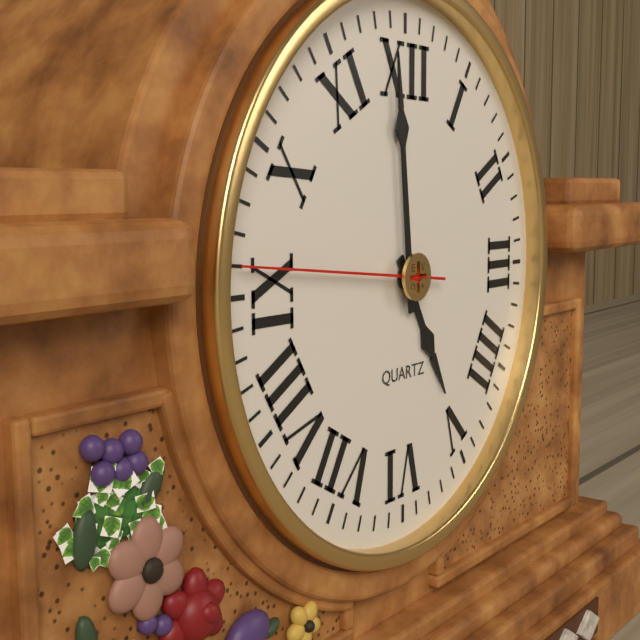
4.59.46
